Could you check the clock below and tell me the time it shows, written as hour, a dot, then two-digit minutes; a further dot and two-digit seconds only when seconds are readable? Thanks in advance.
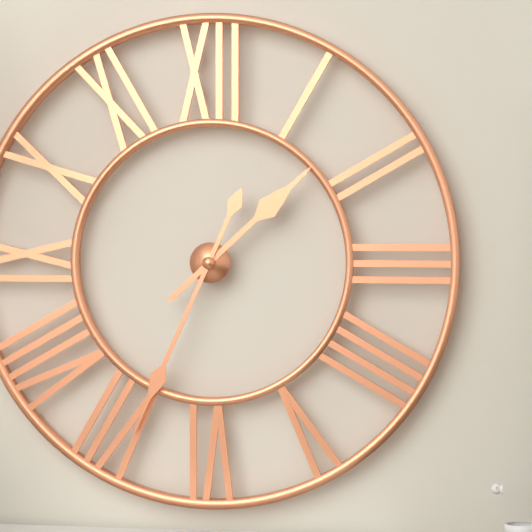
1.34
